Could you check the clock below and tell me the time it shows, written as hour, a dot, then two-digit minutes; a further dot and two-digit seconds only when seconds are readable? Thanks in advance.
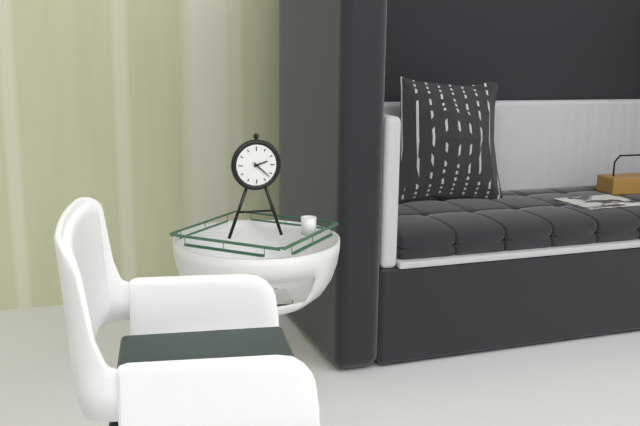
2.22
